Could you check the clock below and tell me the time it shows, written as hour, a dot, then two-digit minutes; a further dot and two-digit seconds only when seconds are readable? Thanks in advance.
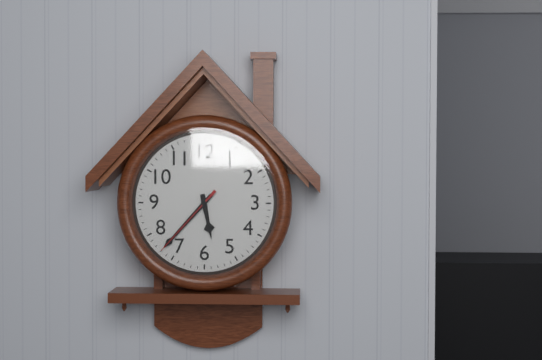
5.37.37
